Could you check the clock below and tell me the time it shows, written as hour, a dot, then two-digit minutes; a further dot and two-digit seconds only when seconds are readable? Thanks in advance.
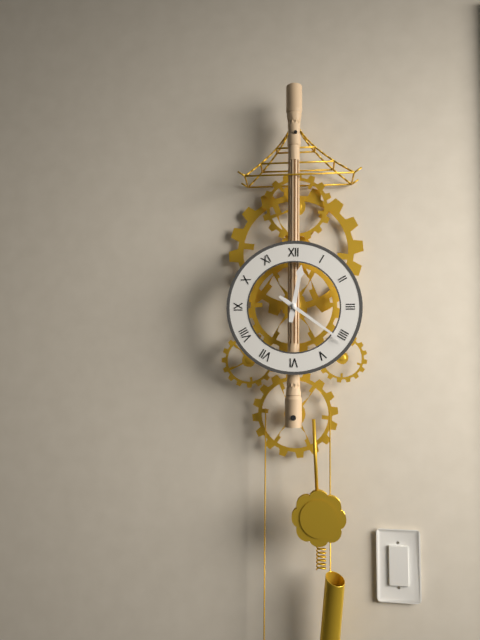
12.21
